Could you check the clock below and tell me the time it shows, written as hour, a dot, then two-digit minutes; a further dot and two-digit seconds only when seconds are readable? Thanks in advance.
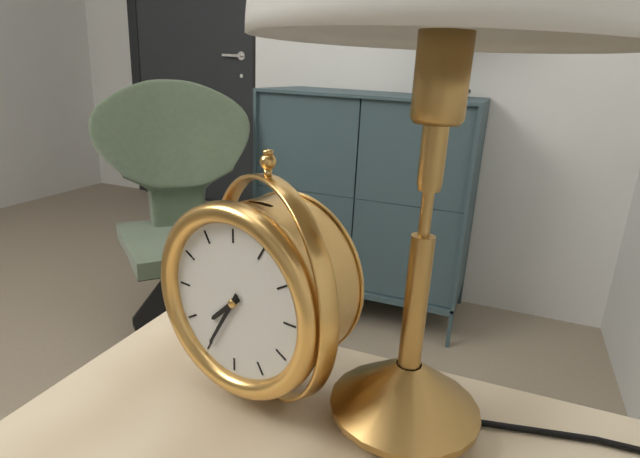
7.35
